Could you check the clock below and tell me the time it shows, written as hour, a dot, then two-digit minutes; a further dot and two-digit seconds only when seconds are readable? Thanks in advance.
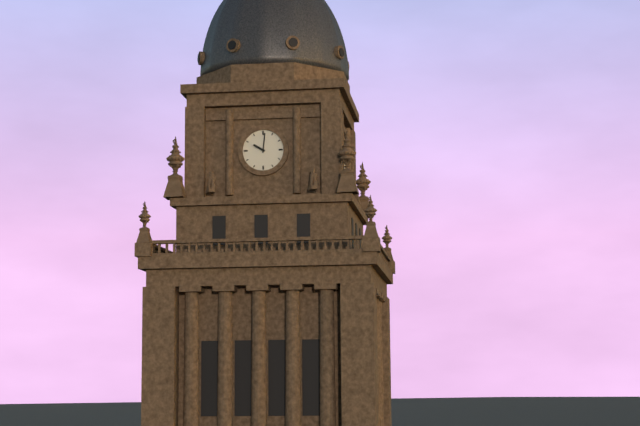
10.01
